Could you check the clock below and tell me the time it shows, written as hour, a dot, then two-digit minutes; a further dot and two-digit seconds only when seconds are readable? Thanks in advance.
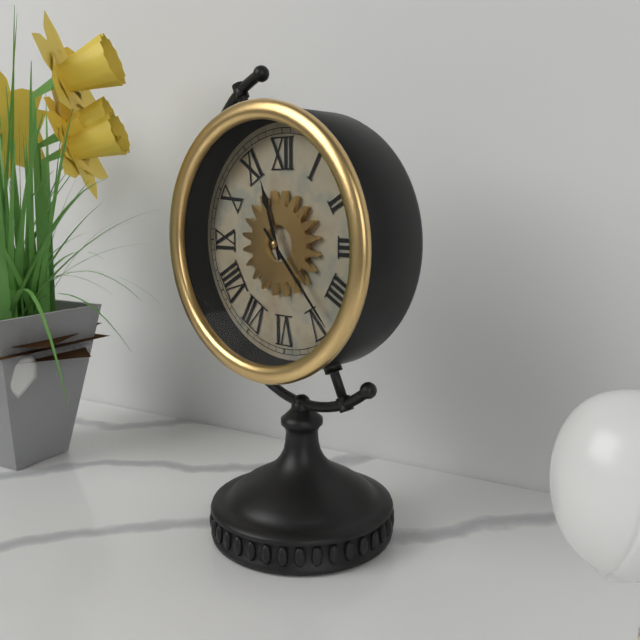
11.23
